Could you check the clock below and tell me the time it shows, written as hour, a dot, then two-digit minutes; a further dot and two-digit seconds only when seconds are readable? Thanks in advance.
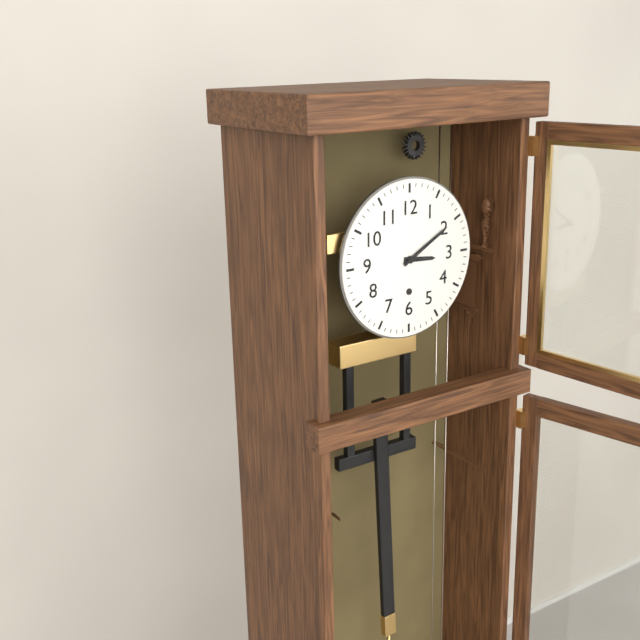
3.10
